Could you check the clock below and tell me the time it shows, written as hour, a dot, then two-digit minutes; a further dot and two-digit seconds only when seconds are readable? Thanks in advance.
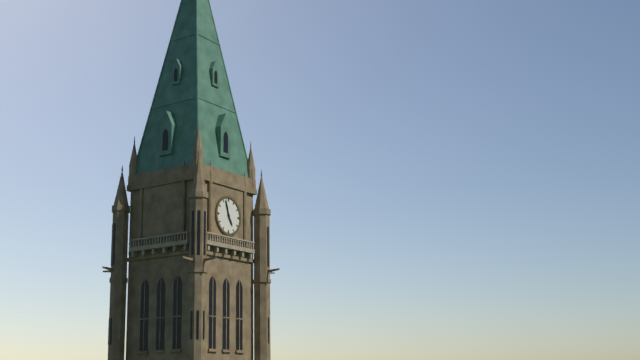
4.57
